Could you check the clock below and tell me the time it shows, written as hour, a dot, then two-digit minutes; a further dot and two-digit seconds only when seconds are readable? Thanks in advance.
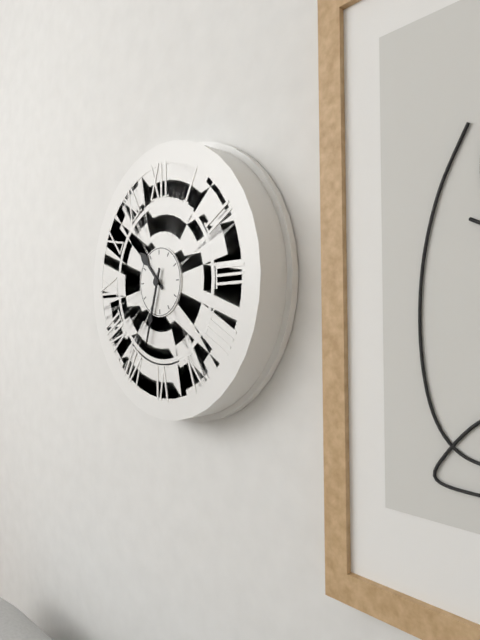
10.33
